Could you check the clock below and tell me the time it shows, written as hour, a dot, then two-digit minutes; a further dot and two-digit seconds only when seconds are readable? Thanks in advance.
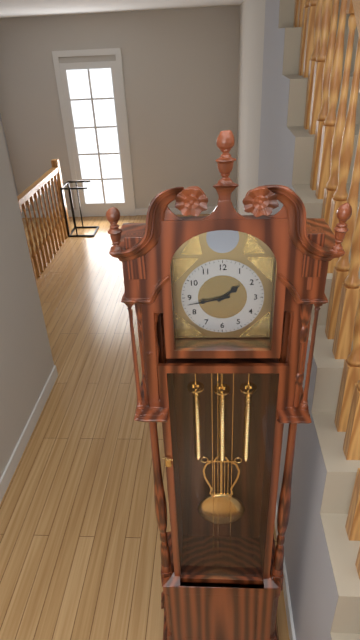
1.43
